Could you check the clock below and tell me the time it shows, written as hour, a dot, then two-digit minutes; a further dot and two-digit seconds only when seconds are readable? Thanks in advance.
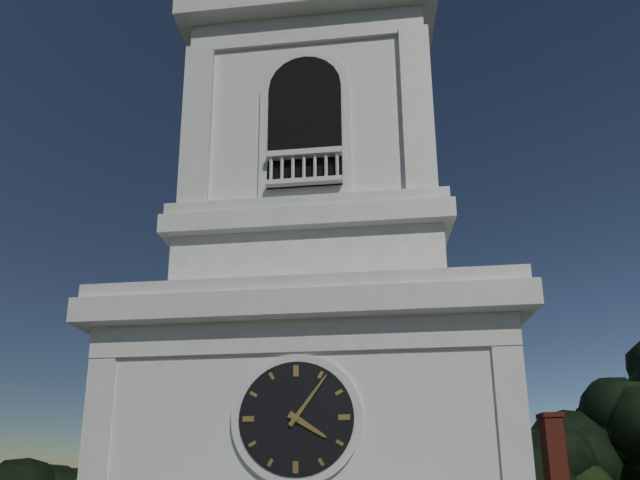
4.06
